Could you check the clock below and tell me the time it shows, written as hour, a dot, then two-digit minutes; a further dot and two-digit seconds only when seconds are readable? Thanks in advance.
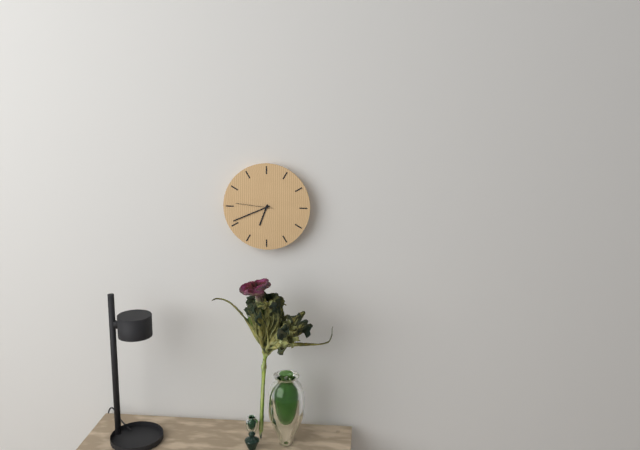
6.41
